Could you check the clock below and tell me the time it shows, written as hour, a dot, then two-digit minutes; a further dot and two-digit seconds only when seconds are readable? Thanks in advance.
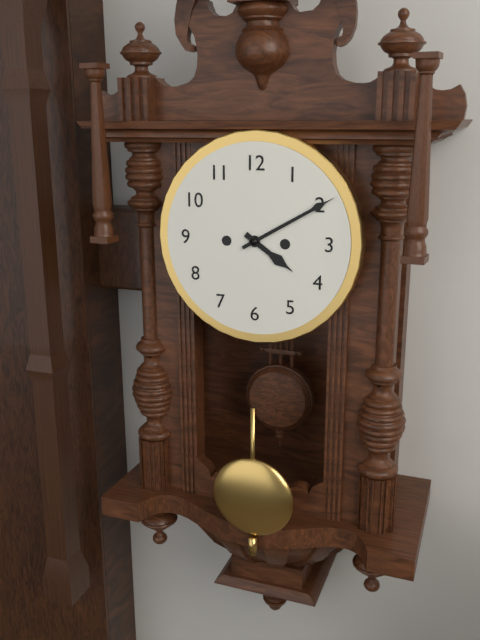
4.10
